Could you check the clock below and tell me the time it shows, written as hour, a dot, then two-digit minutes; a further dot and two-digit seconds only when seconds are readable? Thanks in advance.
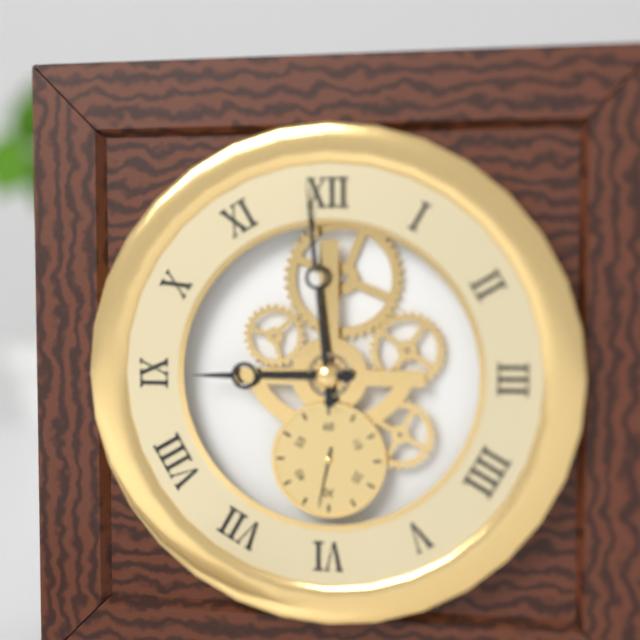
8.59.32
